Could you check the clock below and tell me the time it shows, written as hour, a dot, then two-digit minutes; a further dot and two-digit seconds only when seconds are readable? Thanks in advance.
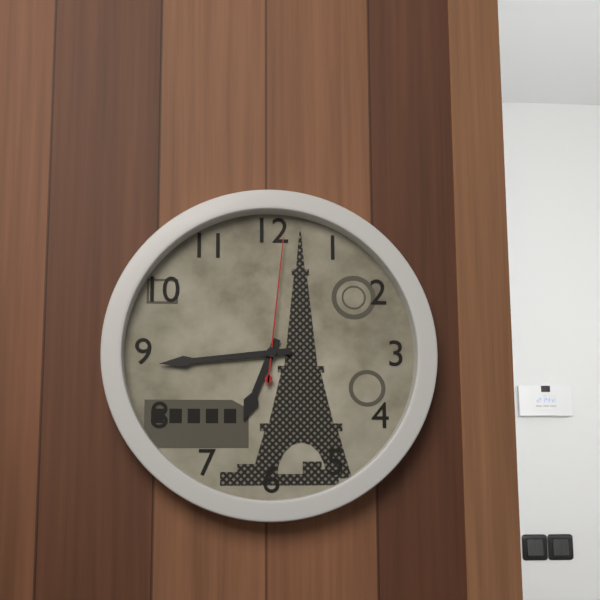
6.44.01
